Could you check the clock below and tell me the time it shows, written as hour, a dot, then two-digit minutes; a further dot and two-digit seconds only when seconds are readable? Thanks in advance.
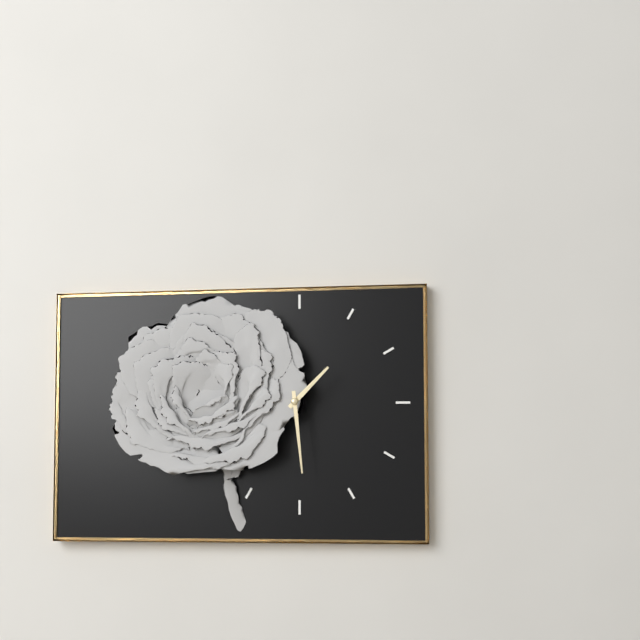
1.29
